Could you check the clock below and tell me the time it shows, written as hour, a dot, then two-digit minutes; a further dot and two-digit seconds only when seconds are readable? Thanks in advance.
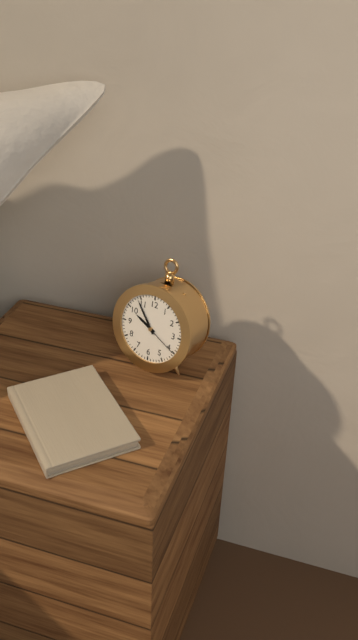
9.54
